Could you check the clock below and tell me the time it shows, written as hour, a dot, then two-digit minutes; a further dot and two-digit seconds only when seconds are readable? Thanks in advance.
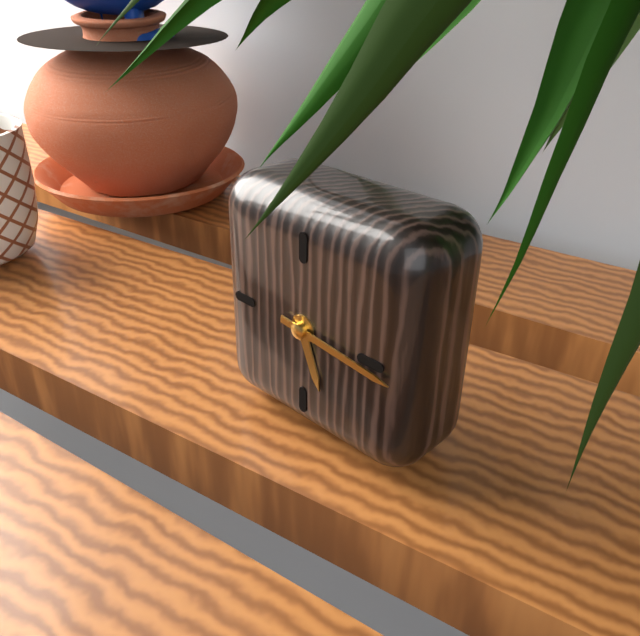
5.16
